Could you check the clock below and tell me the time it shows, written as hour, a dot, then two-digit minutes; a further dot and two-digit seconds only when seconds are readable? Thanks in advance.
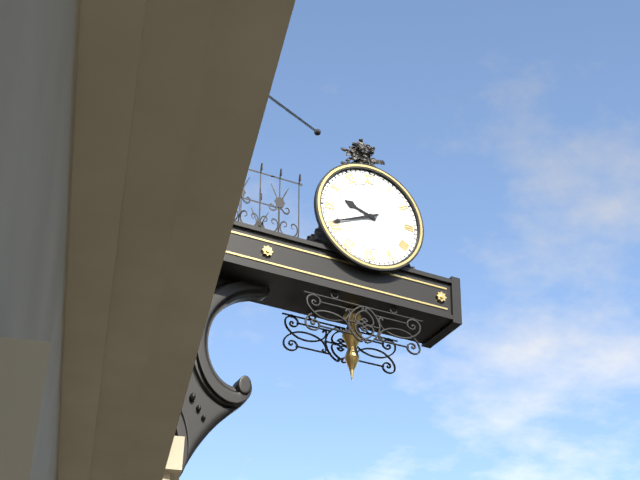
9.41
